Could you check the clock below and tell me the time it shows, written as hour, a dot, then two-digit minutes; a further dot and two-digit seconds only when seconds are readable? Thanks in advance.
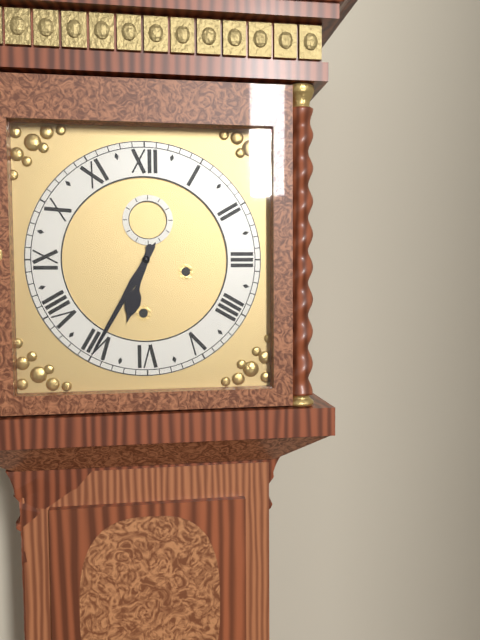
6.35
